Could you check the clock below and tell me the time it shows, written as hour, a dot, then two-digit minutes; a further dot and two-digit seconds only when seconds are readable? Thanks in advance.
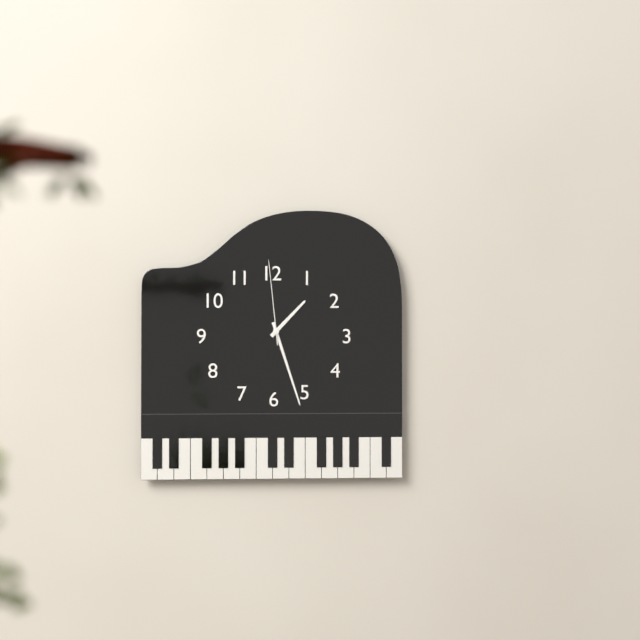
1.27.59
